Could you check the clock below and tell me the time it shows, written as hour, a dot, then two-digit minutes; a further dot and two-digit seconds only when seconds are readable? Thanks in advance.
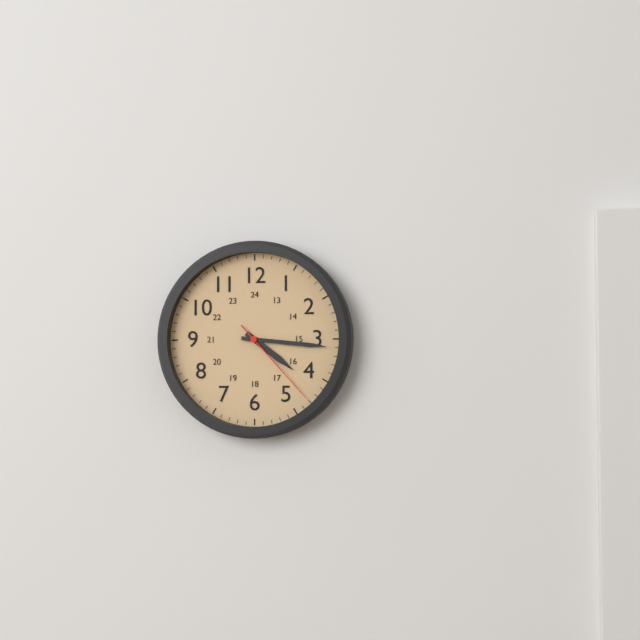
4.16.23
